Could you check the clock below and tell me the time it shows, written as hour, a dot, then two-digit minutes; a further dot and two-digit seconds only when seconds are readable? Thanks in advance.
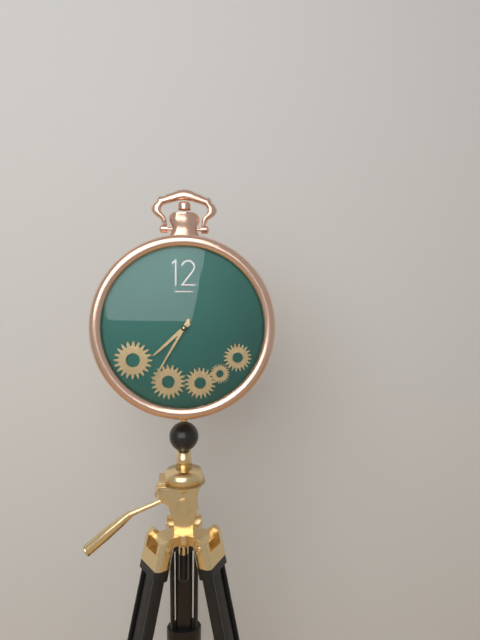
7.35
